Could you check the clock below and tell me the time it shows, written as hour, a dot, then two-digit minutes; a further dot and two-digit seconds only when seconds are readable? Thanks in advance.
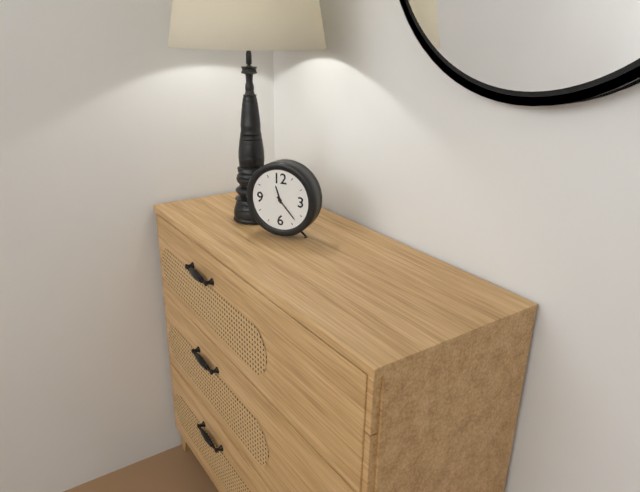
11.23
